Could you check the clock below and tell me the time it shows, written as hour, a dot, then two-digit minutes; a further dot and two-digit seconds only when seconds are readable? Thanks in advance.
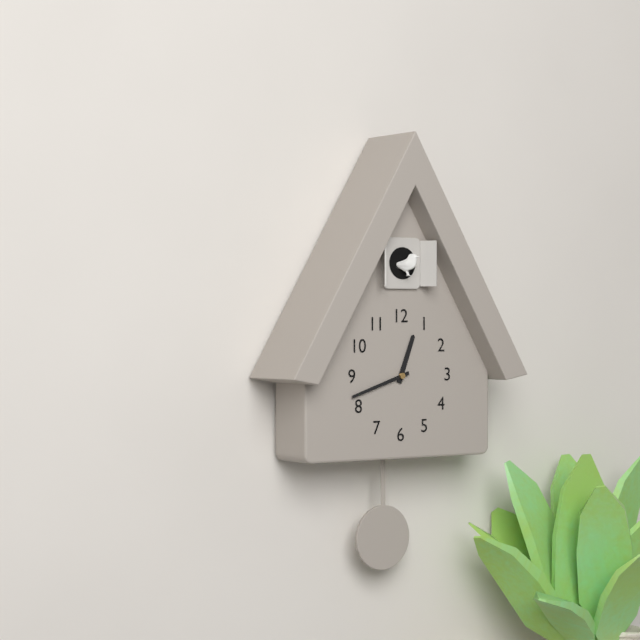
12.42
